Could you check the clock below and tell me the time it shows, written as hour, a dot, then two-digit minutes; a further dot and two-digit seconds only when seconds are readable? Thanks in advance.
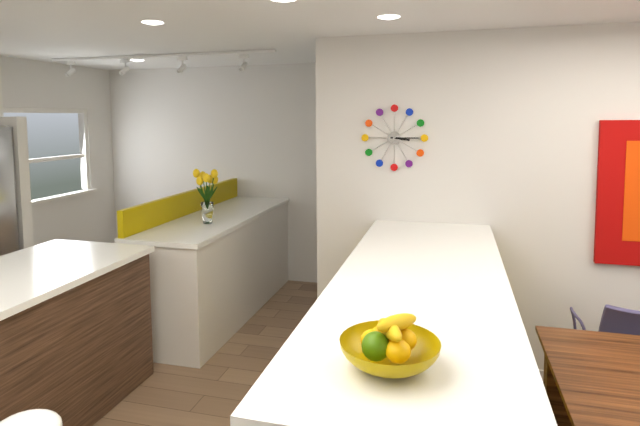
3.15
